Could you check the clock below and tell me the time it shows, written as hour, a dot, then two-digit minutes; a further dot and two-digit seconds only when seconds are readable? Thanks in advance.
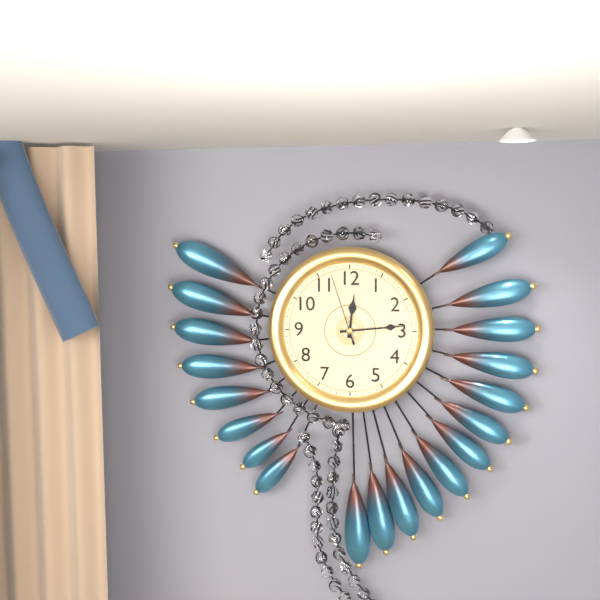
12.14.57
